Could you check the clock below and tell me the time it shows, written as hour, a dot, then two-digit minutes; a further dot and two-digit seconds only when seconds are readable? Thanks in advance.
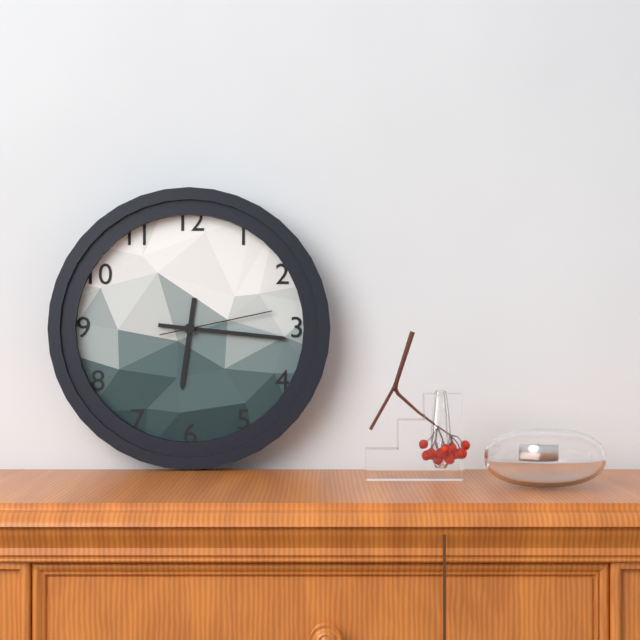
6.16.13
